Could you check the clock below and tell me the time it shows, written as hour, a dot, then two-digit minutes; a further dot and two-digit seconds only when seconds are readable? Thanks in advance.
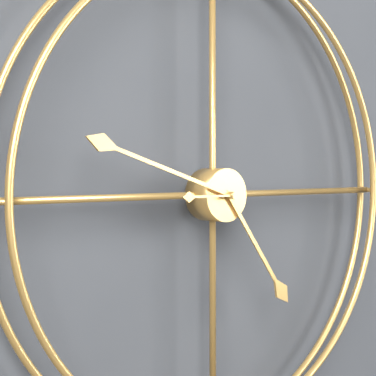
4.48.45
